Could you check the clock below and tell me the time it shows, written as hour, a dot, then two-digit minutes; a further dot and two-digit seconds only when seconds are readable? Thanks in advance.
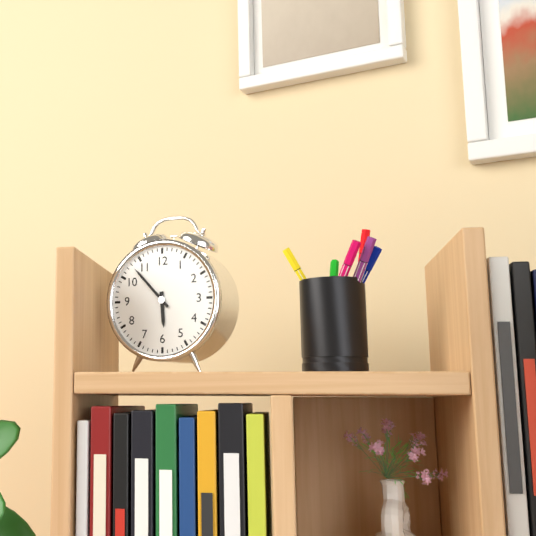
5.53
